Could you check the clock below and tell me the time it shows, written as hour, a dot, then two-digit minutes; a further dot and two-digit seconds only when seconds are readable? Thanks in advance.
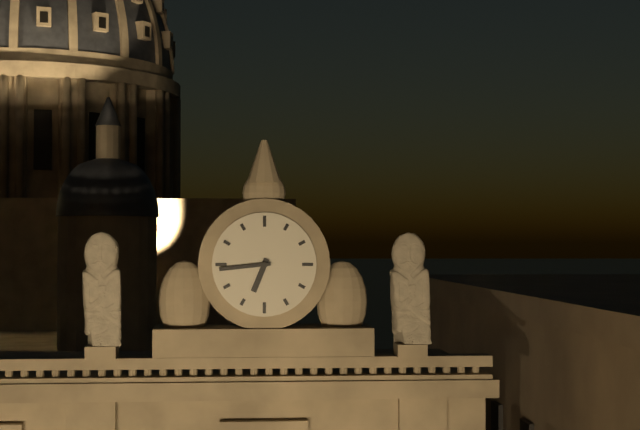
6.44
